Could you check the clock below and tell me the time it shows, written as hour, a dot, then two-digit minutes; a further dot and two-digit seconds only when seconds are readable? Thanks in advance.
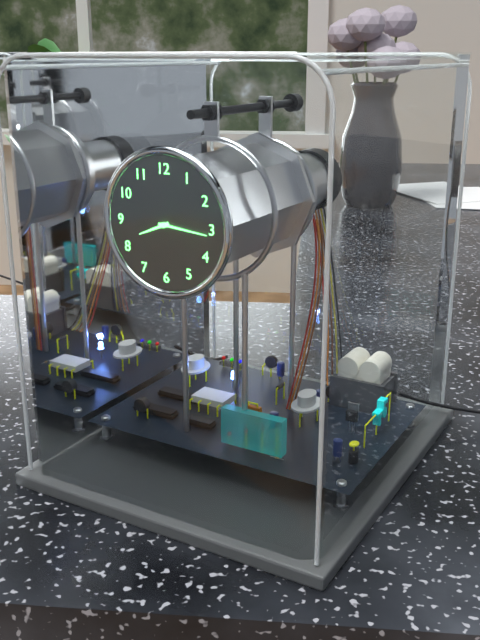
8.16
